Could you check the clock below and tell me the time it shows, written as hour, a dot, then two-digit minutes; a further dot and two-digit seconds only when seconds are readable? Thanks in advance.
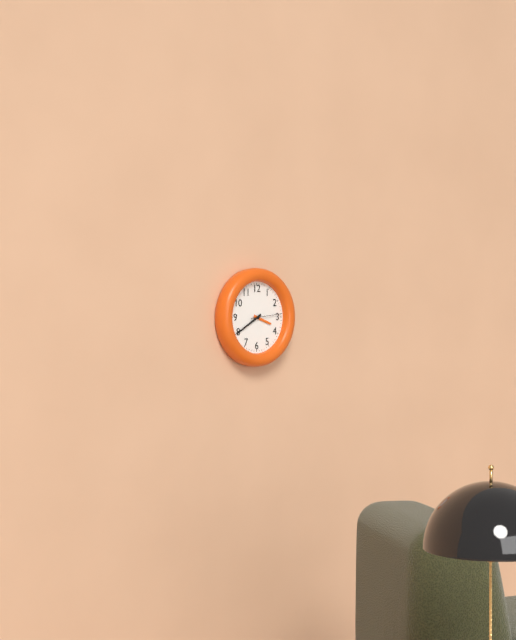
3.40
